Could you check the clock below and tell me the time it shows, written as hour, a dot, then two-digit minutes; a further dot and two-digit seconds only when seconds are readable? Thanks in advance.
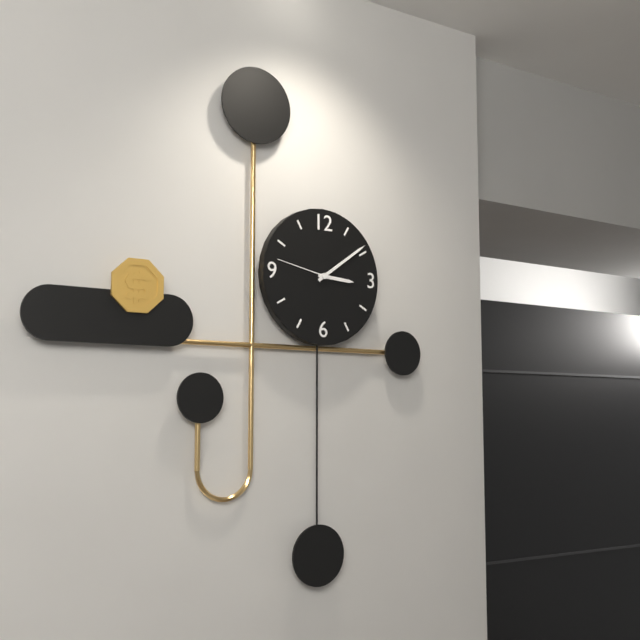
3.09.47
